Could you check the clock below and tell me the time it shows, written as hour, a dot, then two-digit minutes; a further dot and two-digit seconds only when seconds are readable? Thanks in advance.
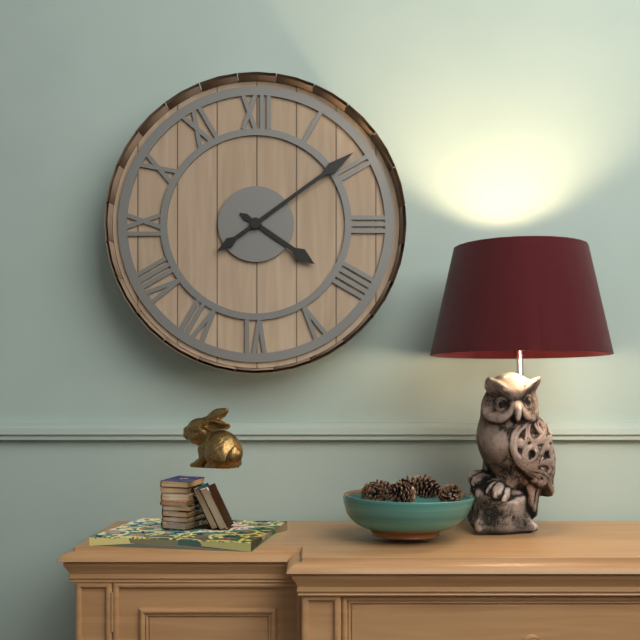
4.09
